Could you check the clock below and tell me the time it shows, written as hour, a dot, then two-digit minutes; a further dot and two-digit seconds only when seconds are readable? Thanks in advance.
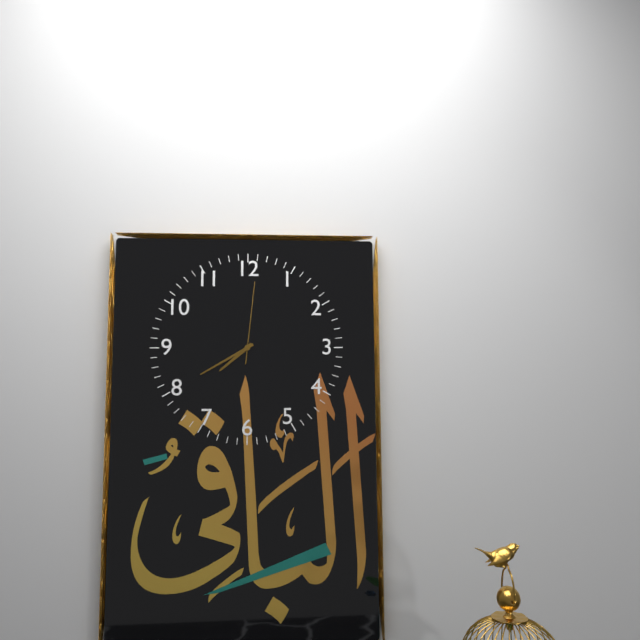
7.40.01
